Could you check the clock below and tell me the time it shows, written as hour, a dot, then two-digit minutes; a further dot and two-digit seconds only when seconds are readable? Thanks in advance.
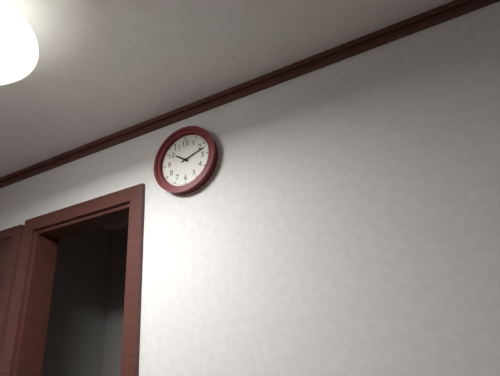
10.12
